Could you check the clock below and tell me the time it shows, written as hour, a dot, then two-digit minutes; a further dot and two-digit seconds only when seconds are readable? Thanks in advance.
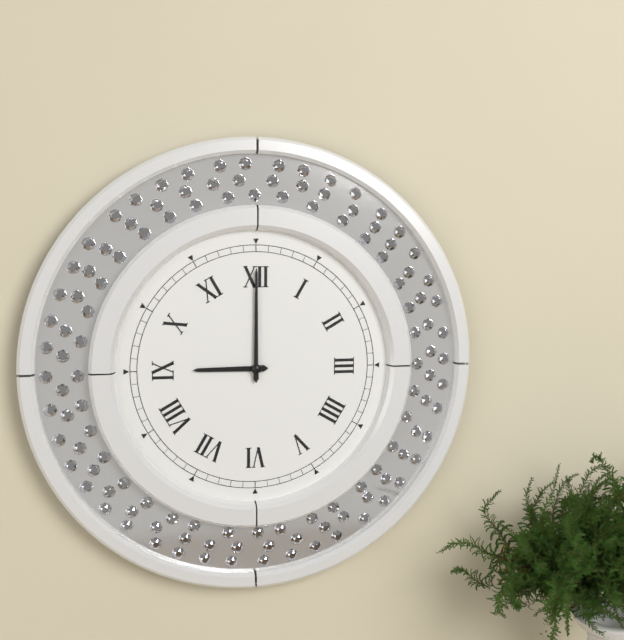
9.00
